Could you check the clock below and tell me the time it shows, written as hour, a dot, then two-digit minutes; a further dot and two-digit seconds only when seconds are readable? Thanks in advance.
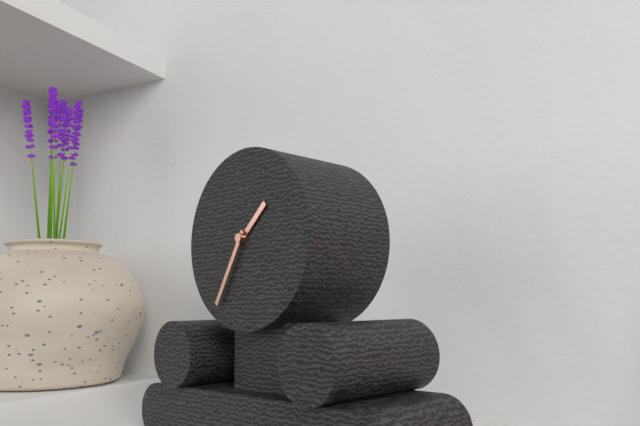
1.35
